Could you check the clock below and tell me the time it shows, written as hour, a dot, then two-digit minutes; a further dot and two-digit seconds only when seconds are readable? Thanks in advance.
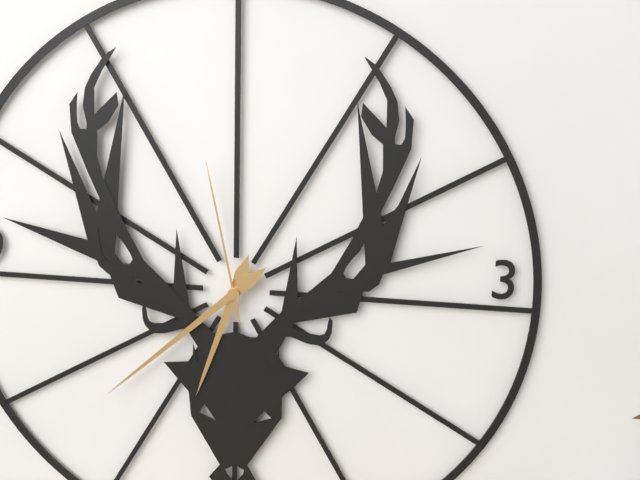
6.38.58
